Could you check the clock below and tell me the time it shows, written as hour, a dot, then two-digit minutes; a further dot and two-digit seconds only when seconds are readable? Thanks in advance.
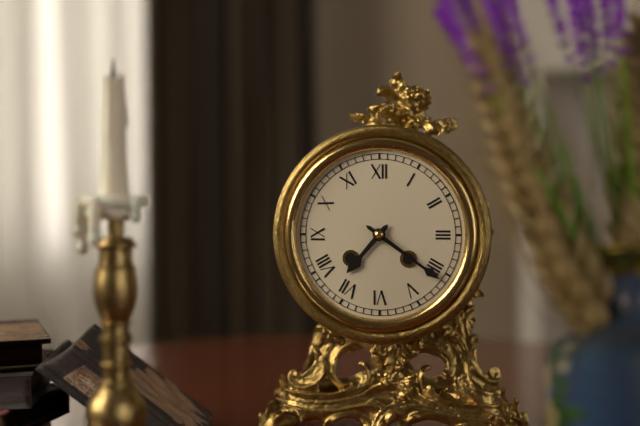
7.21
